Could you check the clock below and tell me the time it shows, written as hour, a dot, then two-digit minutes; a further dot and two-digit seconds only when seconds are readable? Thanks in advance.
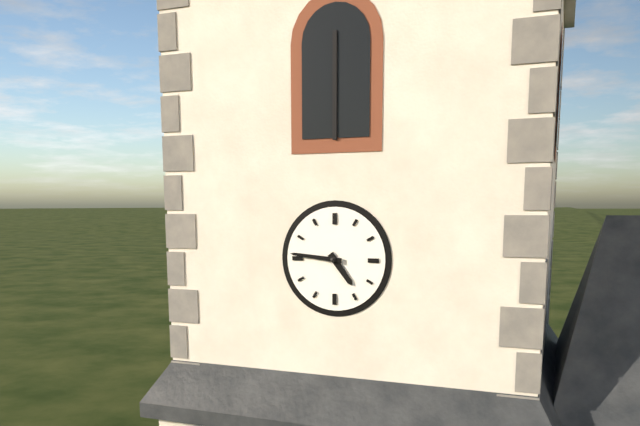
4.46
